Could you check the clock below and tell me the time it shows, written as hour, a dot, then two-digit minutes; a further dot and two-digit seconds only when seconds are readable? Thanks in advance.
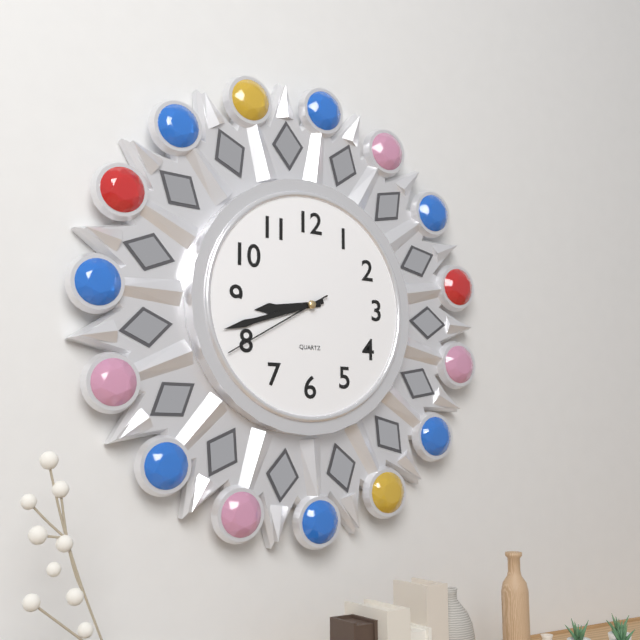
8.42.40
